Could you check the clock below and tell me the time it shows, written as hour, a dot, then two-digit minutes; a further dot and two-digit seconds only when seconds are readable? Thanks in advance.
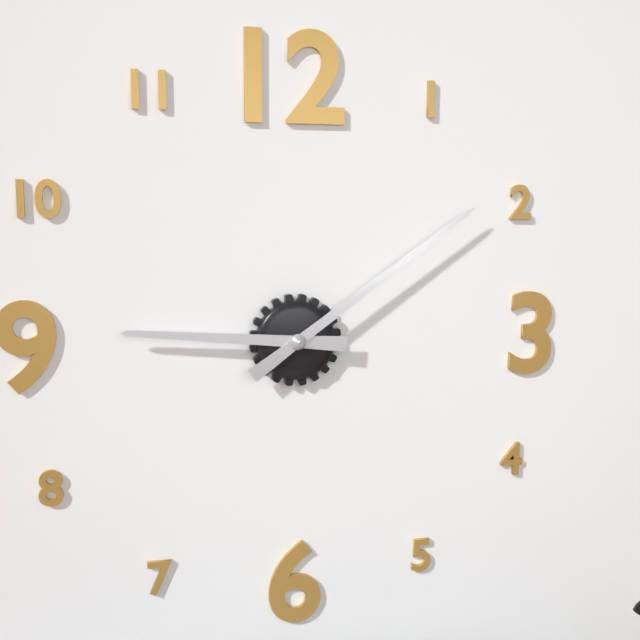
9.09
